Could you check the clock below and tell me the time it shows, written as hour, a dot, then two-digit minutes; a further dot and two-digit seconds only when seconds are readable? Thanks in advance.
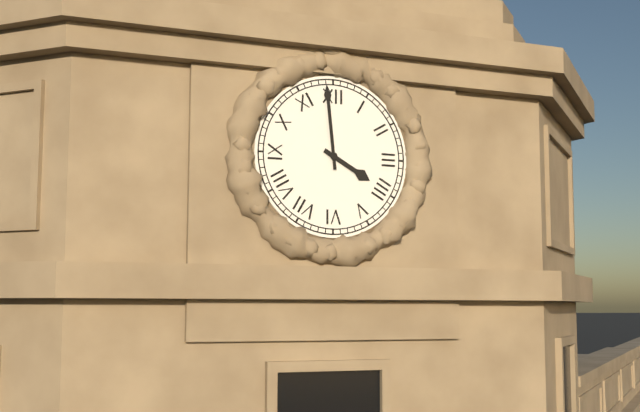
3.59
